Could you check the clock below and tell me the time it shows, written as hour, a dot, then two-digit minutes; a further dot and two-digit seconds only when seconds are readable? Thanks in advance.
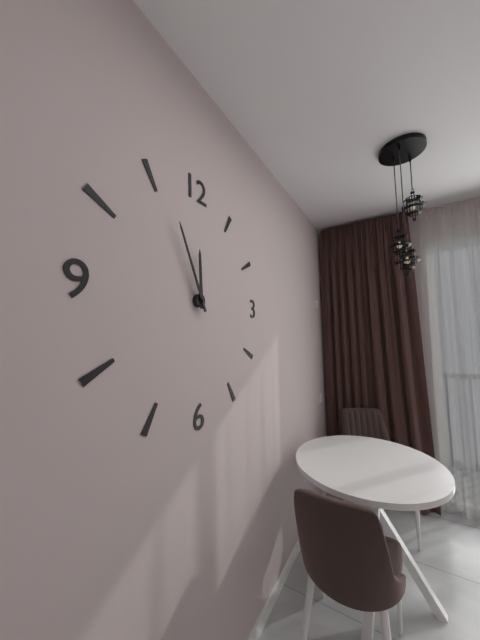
11.56
